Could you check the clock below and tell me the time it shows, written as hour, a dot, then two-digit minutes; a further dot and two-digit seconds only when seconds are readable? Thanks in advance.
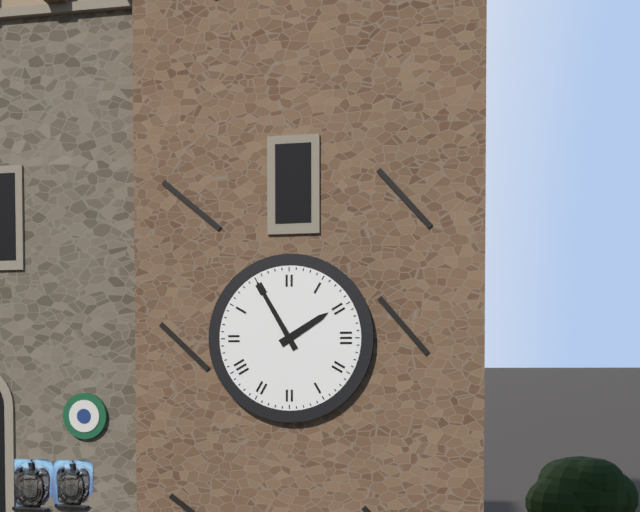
1.55
